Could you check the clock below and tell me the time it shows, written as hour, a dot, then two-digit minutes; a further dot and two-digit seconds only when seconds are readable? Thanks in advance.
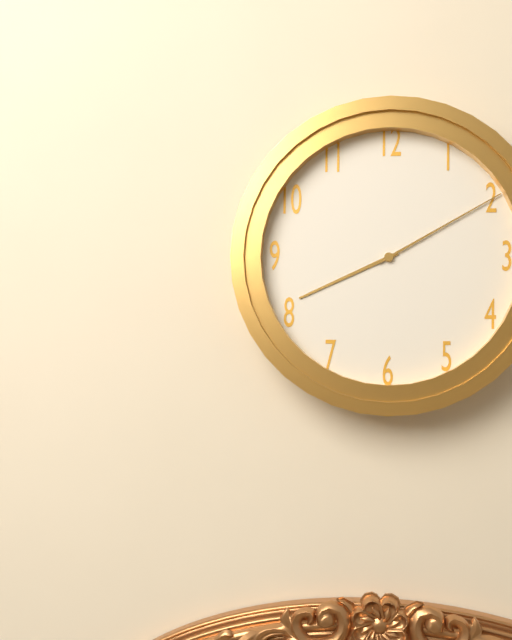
8.10
